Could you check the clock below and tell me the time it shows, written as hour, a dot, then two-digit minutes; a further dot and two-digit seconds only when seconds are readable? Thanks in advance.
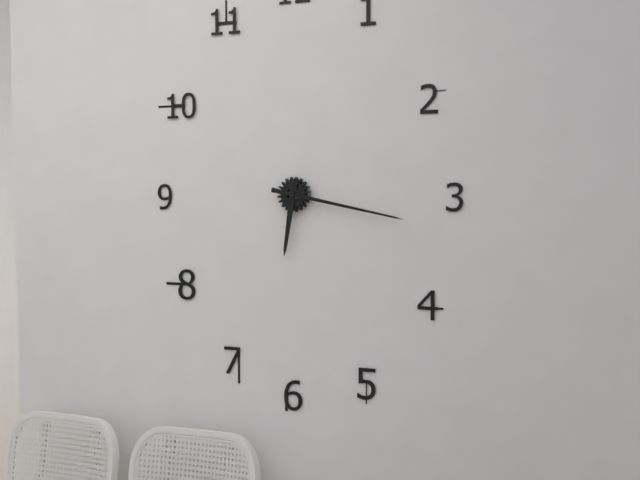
6.17
